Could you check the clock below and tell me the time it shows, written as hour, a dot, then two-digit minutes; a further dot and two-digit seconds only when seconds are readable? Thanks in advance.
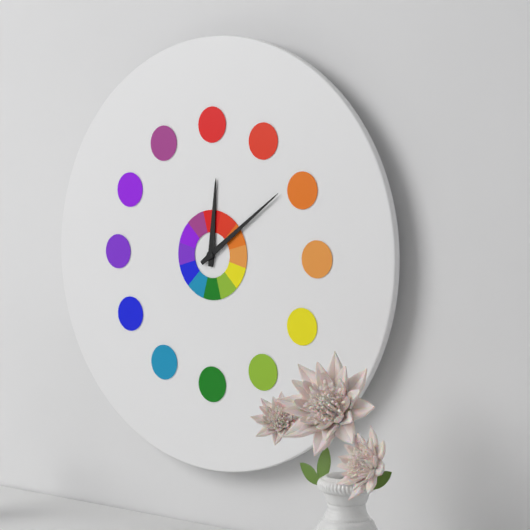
12.09
